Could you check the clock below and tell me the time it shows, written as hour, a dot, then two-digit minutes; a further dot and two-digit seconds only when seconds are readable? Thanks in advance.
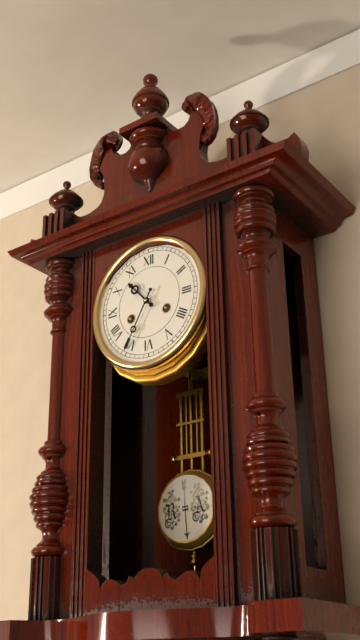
10.35
